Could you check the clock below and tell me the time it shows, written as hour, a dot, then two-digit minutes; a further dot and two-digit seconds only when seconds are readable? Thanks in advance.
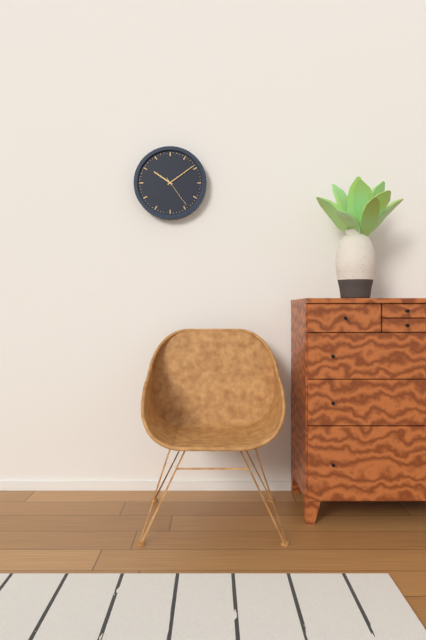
10.09
